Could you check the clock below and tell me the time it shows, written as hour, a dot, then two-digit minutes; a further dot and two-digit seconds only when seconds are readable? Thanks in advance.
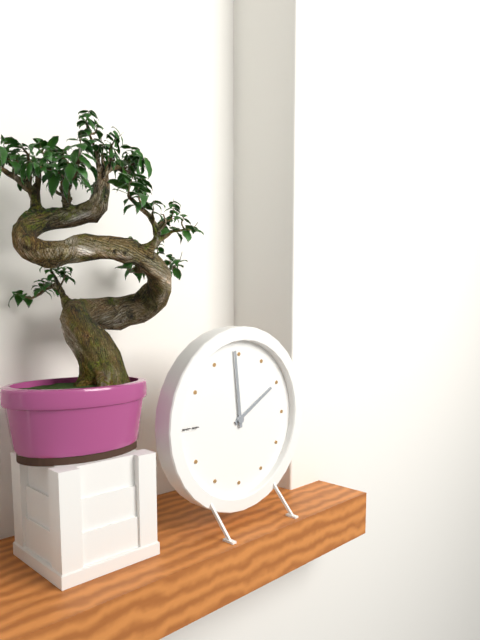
1.59
